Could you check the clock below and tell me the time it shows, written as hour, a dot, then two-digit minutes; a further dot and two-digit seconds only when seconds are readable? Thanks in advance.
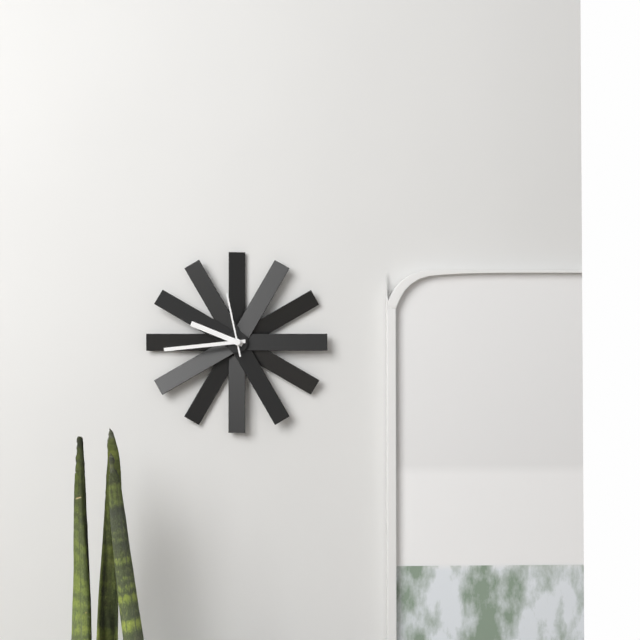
9.44.58
